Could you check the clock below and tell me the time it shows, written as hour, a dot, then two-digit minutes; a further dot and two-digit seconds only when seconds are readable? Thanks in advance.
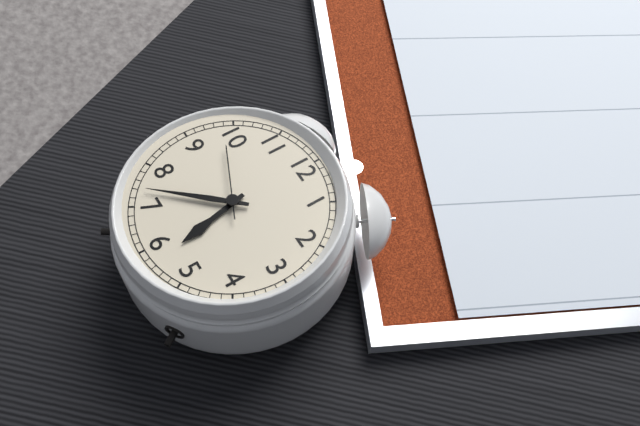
5.37.49
